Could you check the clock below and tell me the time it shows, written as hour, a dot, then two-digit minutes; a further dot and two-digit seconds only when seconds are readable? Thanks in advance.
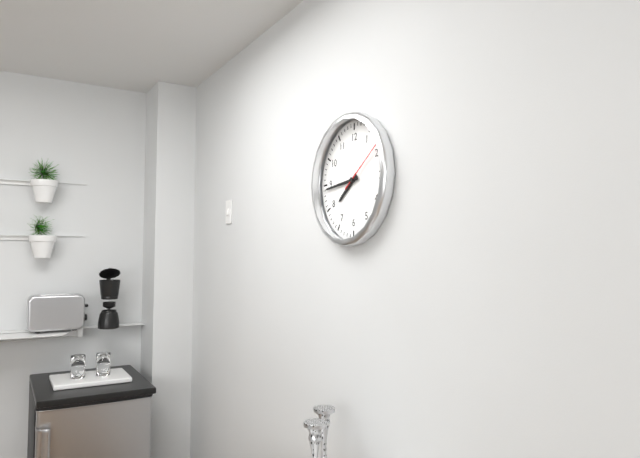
7.44.09
